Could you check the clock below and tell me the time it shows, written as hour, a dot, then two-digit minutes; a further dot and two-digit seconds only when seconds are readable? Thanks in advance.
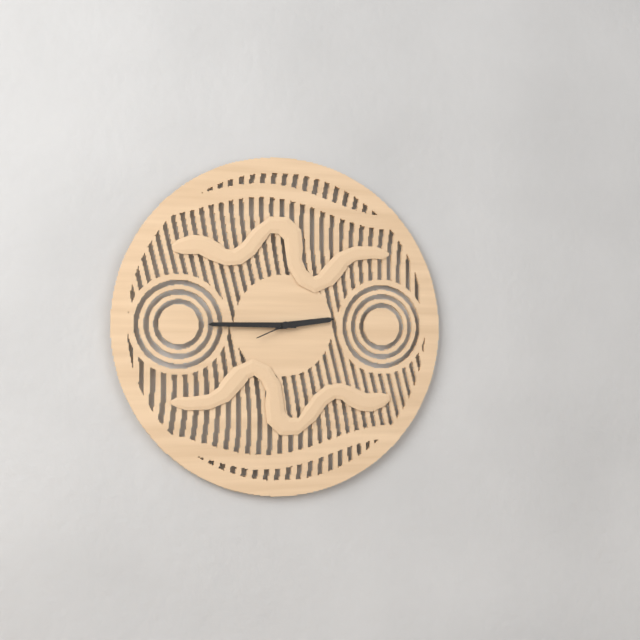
2.45
